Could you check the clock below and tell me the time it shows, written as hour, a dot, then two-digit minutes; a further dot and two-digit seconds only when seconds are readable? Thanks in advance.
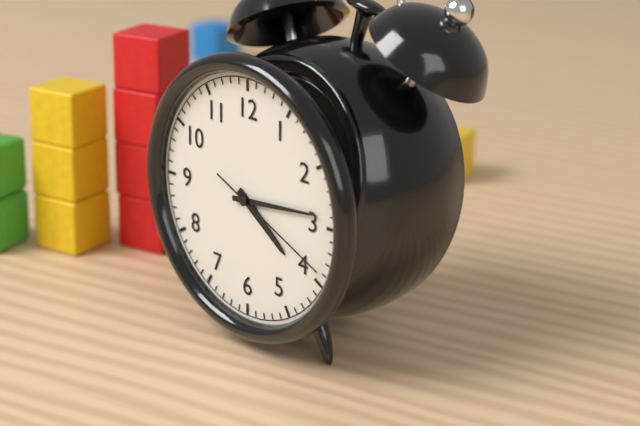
4.14.19
